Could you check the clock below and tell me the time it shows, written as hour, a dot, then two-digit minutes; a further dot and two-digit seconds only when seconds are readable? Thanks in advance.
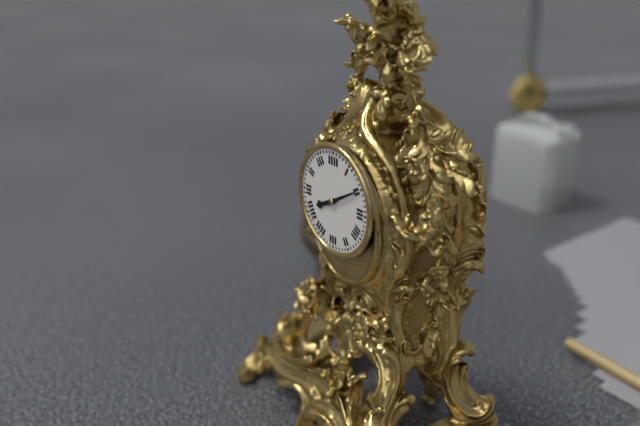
8.10
